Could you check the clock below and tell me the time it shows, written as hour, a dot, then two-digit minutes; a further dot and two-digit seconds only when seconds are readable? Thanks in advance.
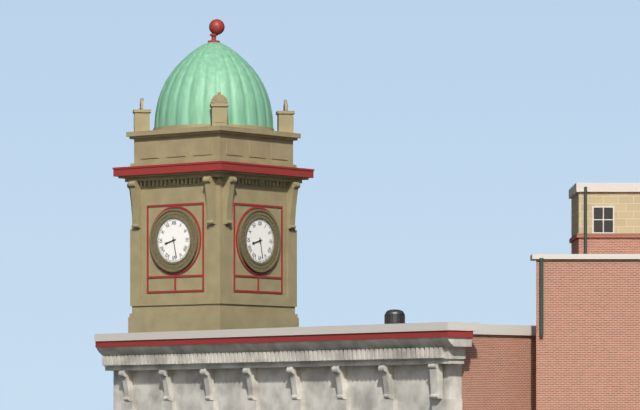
8.28
